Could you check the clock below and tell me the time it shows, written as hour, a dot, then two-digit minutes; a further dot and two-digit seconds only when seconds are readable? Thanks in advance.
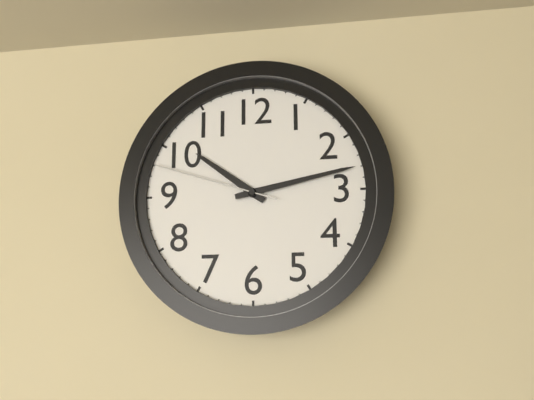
10.13.48
